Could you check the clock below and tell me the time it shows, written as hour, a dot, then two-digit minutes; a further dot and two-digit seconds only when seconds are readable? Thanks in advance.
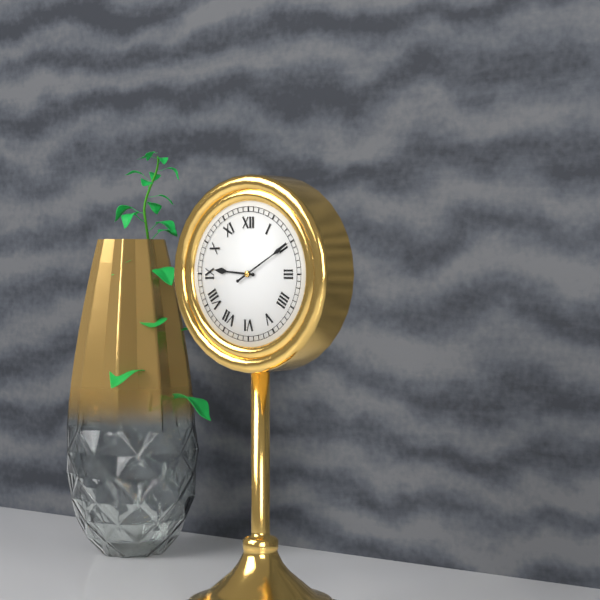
9.10
